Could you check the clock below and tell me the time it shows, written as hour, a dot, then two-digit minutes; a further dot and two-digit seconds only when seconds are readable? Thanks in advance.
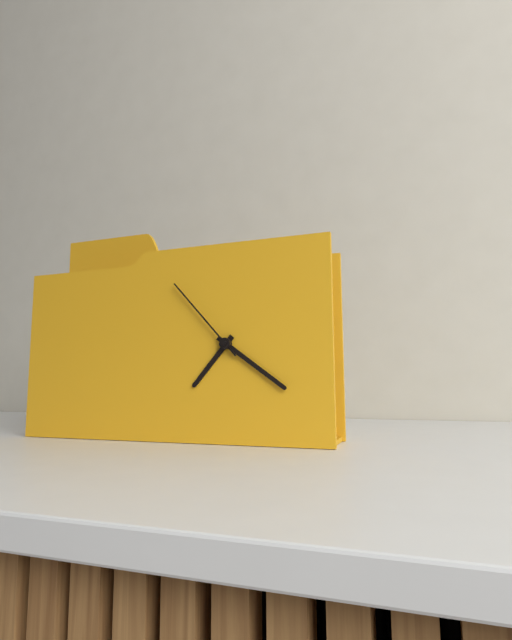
7.21.53
